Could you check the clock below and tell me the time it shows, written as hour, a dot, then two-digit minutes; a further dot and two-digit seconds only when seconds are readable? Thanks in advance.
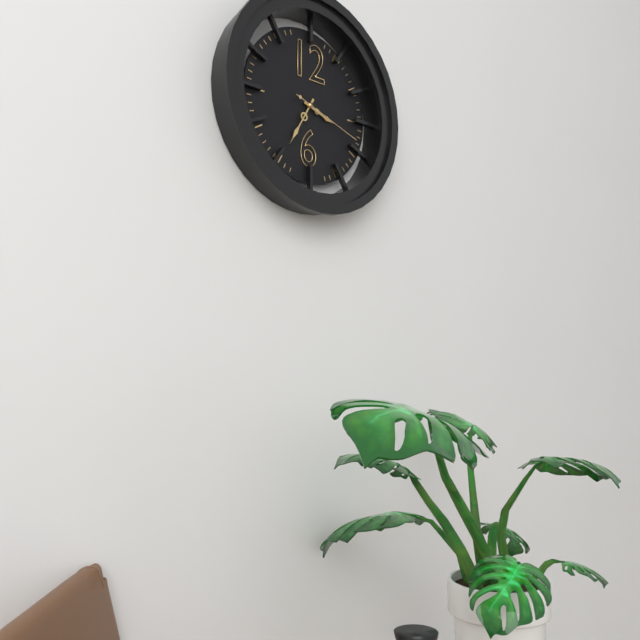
3.35.18
